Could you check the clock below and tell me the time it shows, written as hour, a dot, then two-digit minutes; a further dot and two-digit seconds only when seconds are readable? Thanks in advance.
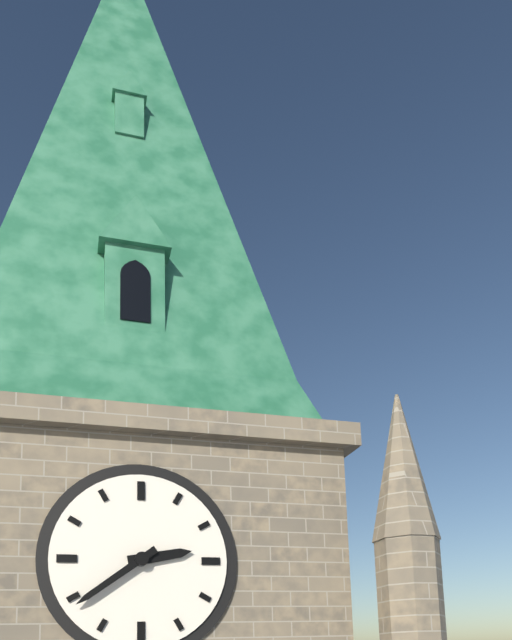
2.39
